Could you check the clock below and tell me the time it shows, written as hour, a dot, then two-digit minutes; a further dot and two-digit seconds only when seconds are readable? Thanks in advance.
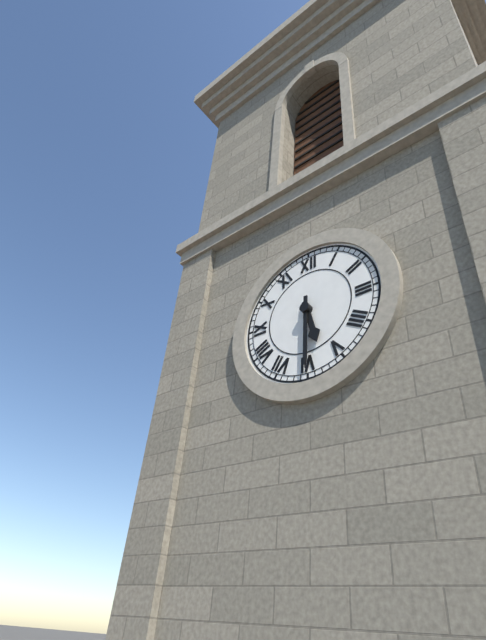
5.30
